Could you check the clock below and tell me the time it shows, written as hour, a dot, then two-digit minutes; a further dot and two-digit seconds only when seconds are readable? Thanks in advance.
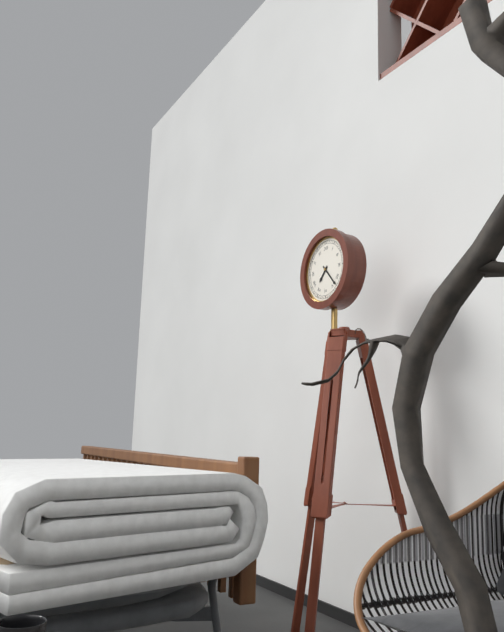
7.23
